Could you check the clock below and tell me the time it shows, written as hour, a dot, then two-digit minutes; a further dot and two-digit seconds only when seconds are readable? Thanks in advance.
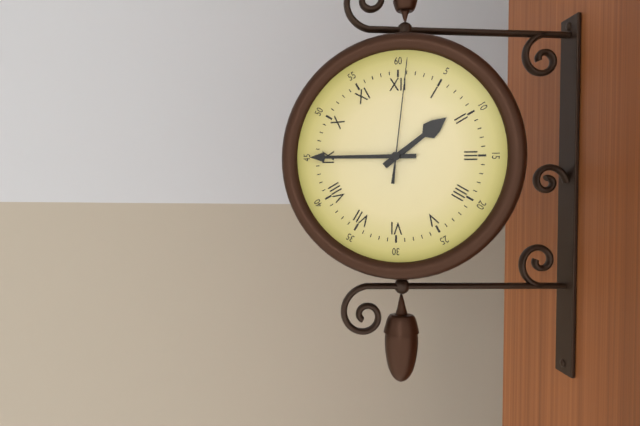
1.45.01
